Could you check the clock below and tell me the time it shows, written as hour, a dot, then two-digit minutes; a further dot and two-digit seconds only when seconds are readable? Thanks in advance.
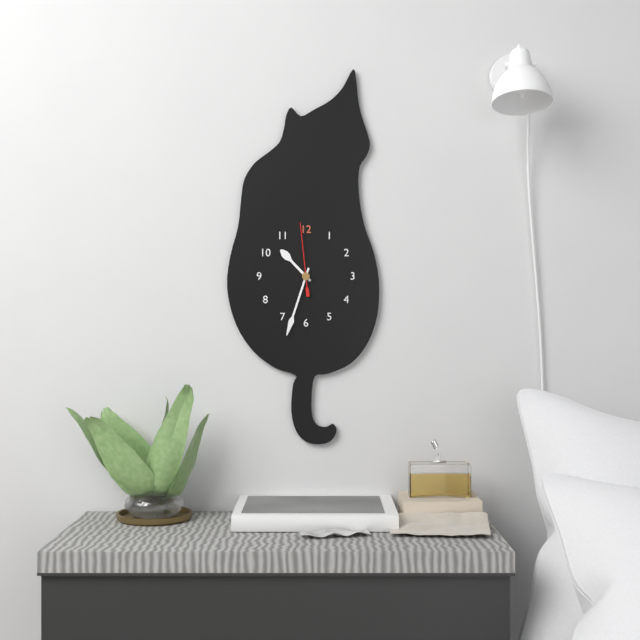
10.33.59
